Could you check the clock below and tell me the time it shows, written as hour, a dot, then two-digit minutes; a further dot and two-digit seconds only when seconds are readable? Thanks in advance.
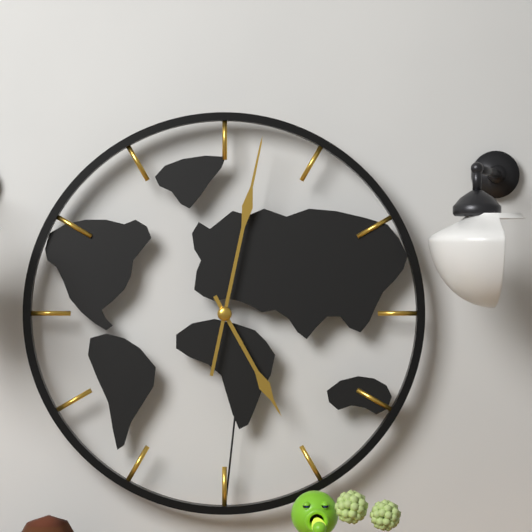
5.02
